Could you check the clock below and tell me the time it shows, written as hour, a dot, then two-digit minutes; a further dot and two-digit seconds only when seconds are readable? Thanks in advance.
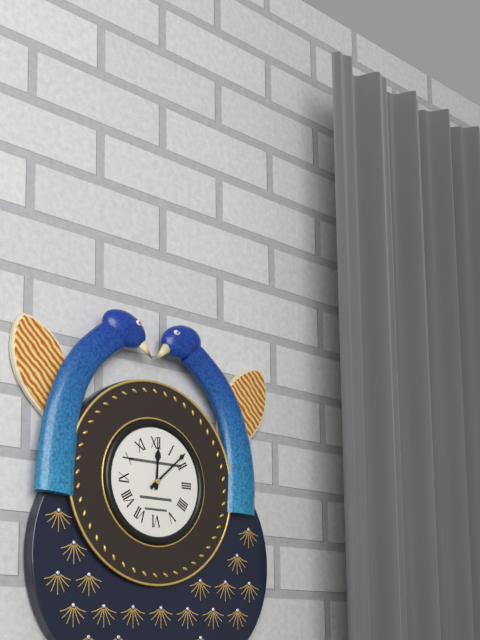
12.08
